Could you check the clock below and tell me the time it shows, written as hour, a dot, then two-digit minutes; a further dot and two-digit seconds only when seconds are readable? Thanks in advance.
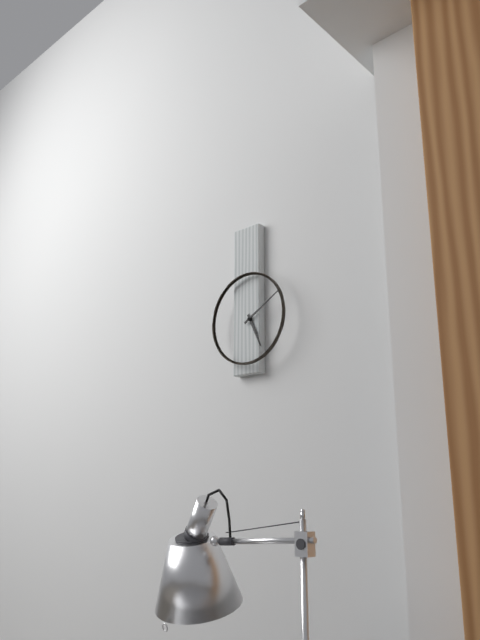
5.10
